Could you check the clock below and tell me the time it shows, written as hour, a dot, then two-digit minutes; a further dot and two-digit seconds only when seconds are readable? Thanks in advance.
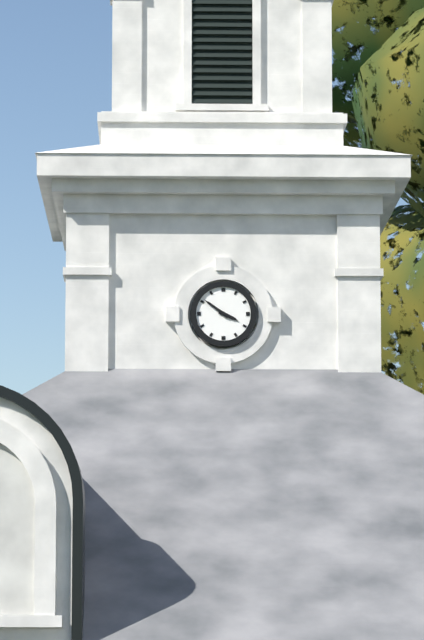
3.51
